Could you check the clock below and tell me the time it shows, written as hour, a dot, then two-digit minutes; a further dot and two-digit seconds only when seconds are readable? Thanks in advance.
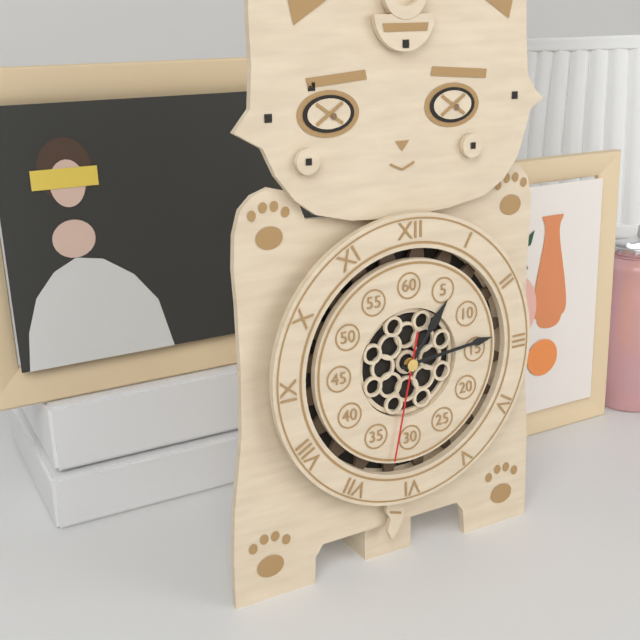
1.14.32
